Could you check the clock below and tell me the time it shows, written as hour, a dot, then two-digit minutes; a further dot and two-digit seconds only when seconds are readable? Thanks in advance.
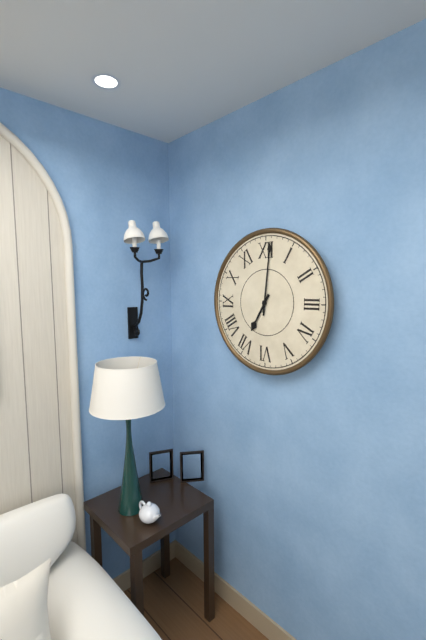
7.01
